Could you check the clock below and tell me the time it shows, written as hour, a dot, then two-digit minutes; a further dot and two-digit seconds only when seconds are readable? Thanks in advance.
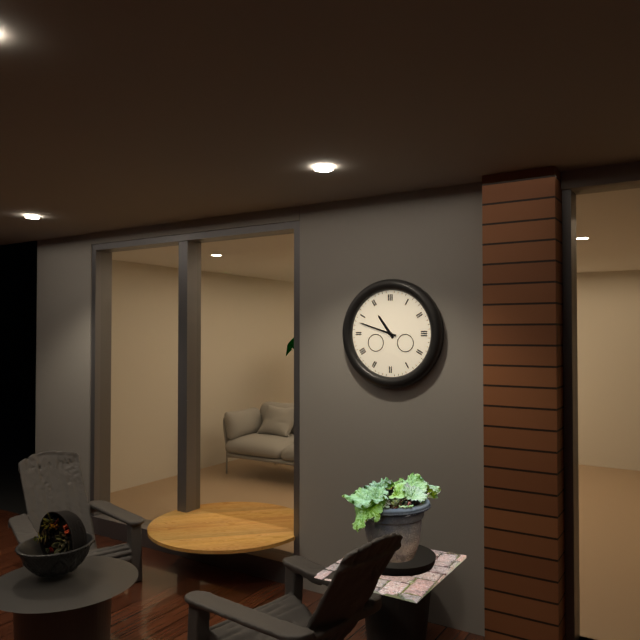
10.48
